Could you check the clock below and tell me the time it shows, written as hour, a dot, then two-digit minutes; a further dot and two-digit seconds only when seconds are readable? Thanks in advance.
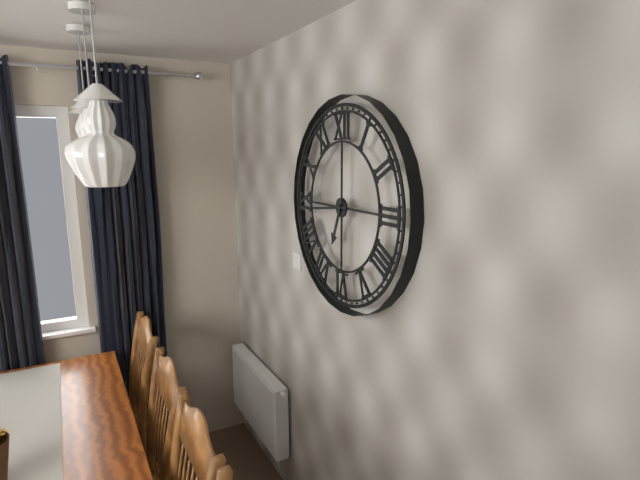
6.44
